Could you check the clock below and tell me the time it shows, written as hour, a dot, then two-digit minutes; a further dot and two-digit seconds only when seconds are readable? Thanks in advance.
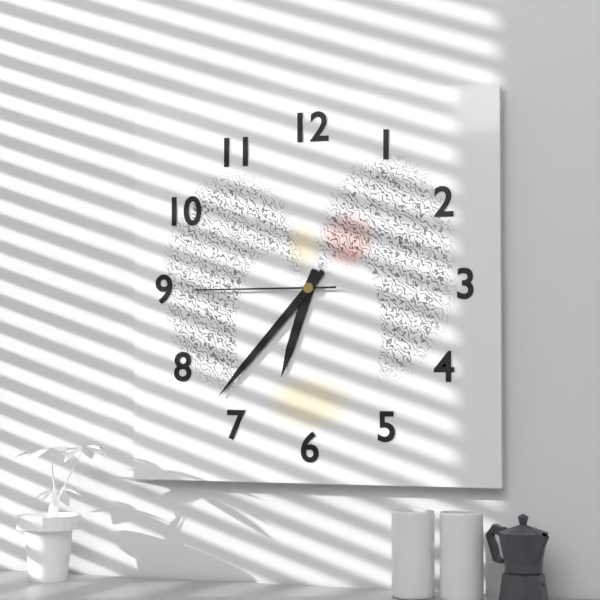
6.37.45
